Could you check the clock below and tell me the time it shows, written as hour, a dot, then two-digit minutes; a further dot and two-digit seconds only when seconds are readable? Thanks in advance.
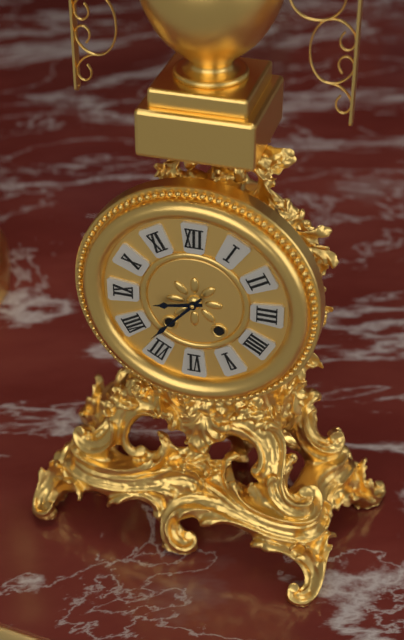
8.37
